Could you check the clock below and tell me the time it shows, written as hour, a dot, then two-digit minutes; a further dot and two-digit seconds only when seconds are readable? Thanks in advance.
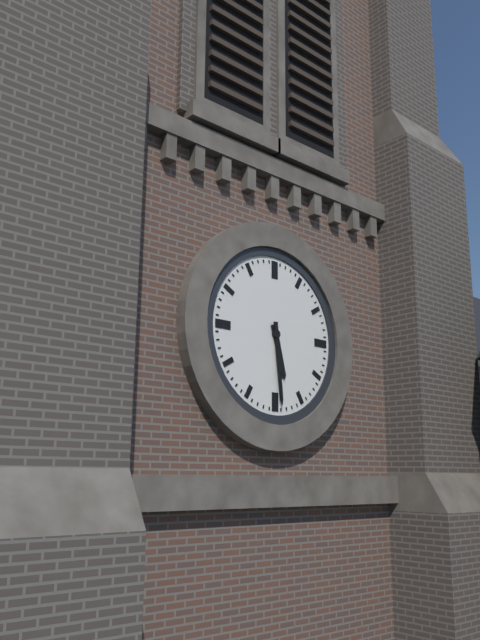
5.29
